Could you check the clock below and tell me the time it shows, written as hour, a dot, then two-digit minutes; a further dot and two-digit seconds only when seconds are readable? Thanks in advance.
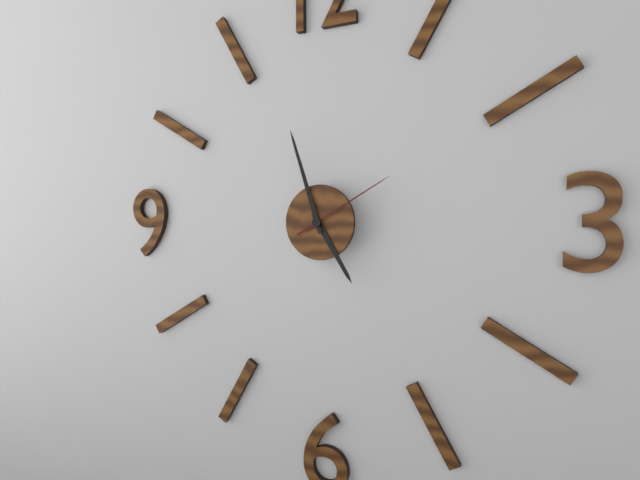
4.57.10
